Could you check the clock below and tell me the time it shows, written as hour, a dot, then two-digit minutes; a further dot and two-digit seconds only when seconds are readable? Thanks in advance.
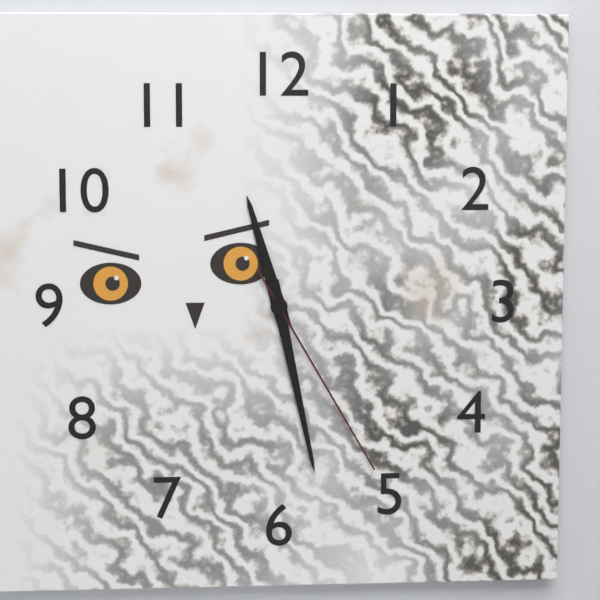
11.28.25
